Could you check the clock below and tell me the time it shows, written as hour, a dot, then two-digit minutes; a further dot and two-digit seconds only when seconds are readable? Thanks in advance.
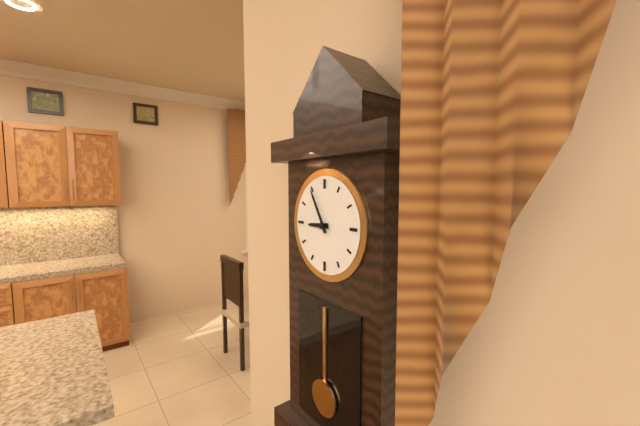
8.55
